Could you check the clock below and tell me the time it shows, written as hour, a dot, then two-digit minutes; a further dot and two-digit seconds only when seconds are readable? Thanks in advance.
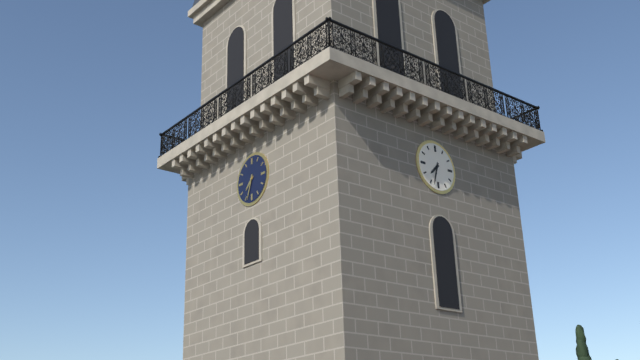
7.33
